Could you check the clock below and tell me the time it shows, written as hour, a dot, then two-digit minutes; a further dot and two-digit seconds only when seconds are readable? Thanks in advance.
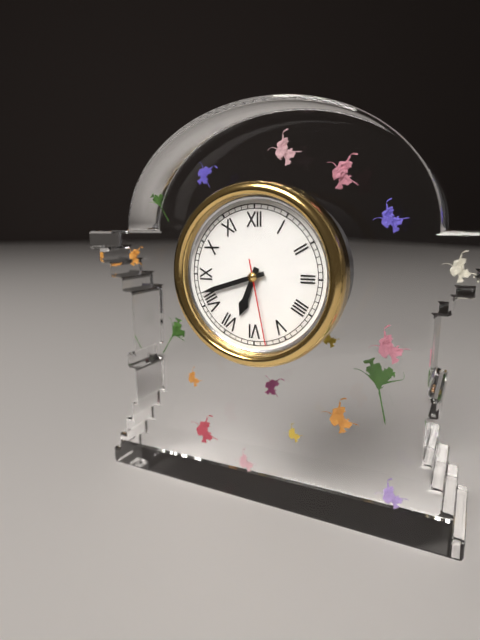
6.42.28
